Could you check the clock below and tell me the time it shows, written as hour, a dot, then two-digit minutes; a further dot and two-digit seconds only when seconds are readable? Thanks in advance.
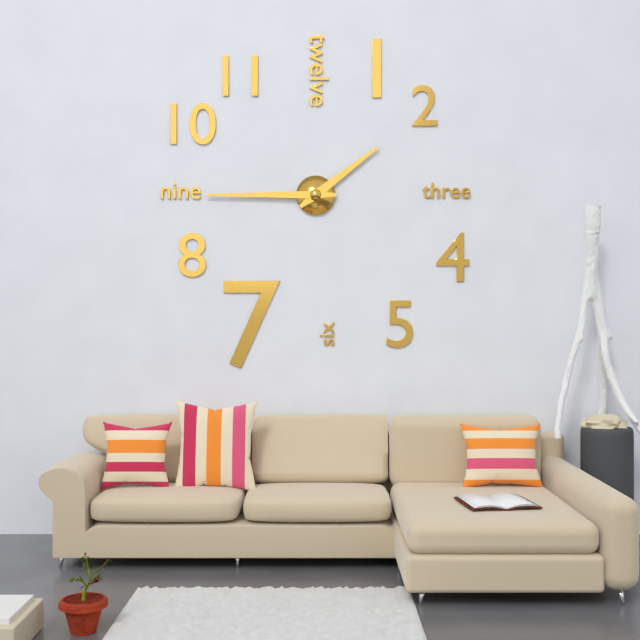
1.45
